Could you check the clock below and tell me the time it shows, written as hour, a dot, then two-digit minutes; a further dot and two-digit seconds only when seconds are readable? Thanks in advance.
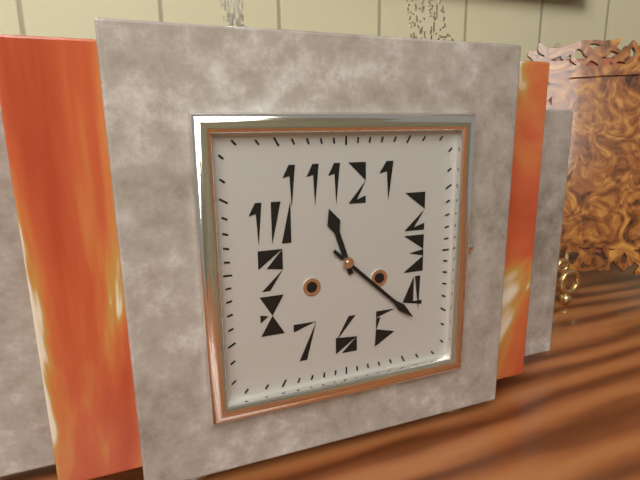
11.22
